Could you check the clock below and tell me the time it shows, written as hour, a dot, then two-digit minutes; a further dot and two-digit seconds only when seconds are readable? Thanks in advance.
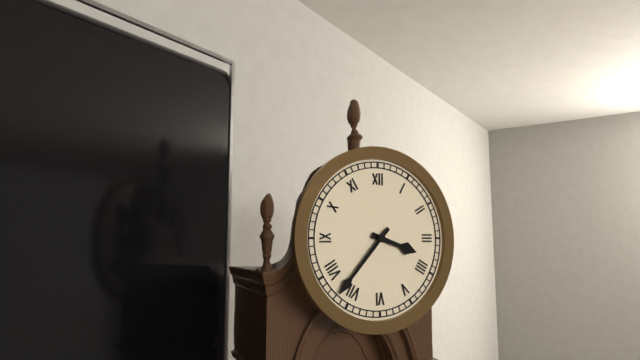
3.37
